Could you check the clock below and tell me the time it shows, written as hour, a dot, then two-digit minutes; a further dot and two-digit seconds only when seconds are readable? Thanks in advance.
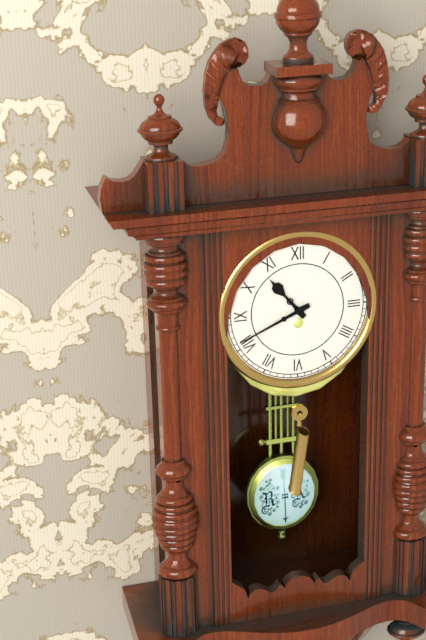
10.41
